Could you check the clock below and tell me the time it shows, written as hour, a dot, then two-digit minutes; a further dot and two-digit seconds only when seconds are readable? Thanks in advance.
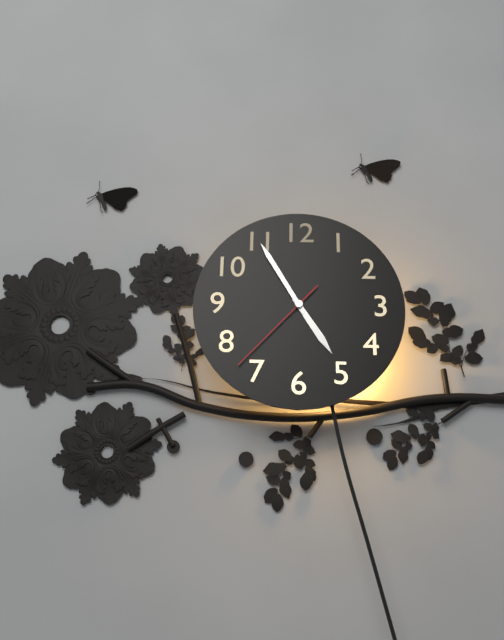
4.55.37
